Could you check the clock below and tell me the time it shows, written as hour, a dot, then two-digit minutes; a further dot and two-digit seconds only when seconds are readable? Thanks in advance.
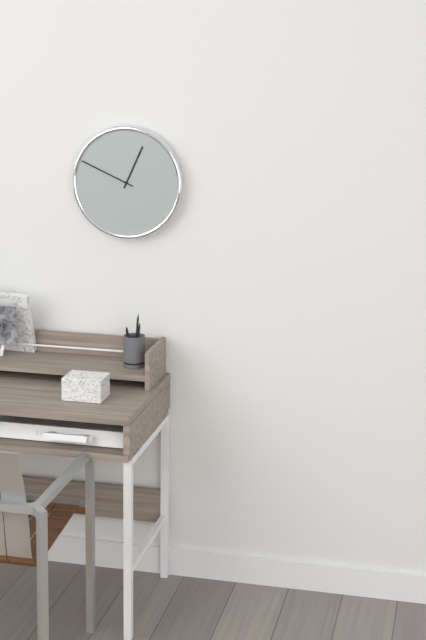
12.49
